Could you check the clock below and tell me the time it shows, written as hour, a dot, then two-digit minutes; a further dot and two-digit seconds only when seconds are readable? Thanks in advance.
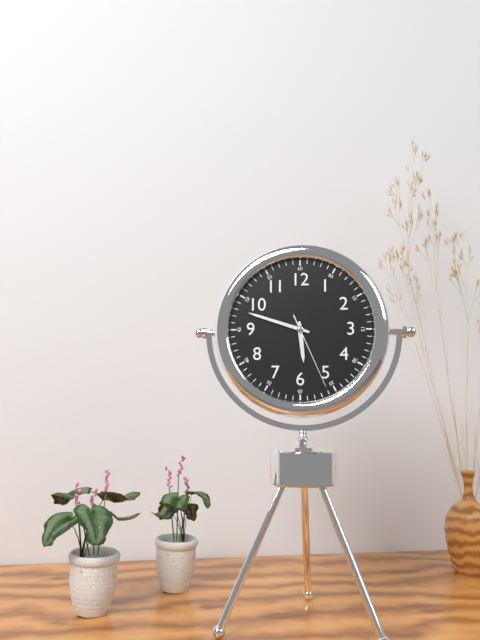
5.48.26
